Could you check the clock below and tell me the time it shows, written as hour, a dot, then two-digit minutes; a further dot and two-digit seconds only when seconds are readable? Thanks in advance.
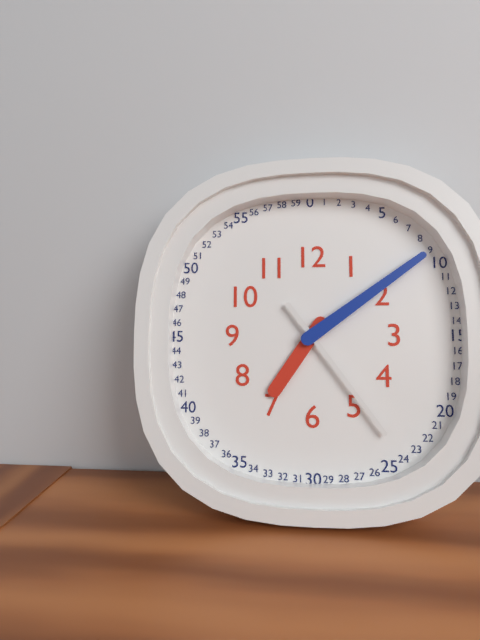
7.09.24
